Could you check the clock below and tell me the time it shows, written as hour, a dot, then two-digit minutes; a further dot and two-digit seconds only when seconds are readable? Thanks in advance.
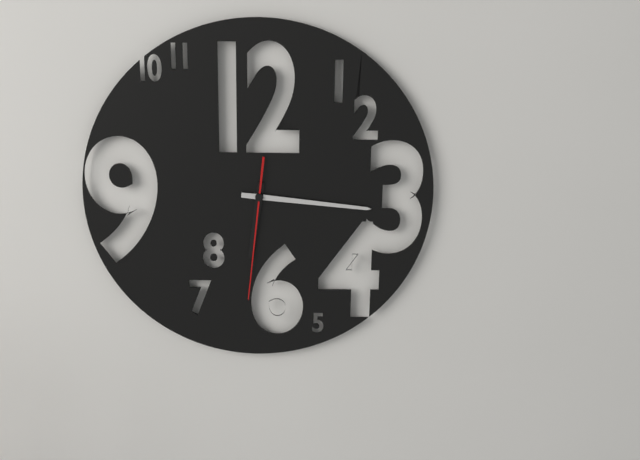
6.16.31
